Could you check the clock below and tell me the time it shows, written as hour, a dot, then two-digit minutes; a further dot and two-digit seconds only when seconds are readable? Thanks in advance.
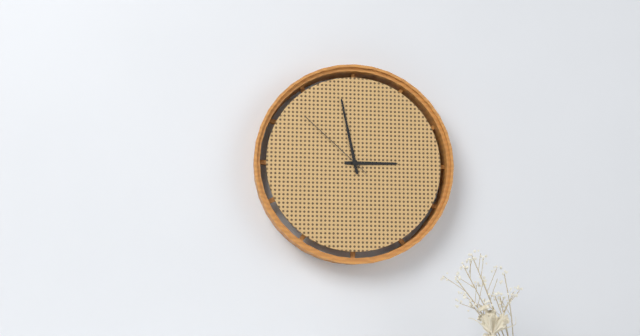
2.58.52
